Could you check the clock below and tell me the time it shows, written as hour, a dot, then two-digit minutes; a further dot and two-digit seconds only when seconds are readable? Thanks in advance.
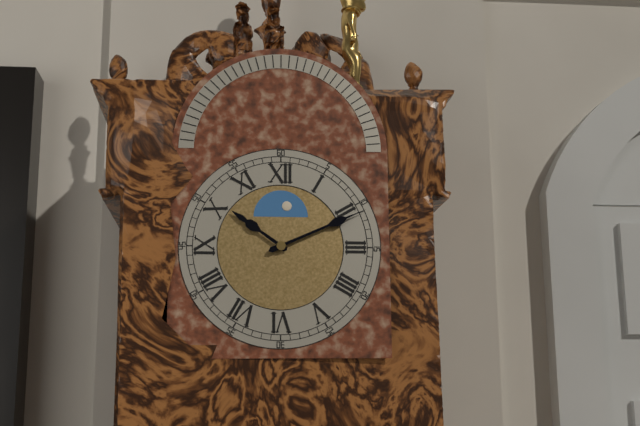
10.11
